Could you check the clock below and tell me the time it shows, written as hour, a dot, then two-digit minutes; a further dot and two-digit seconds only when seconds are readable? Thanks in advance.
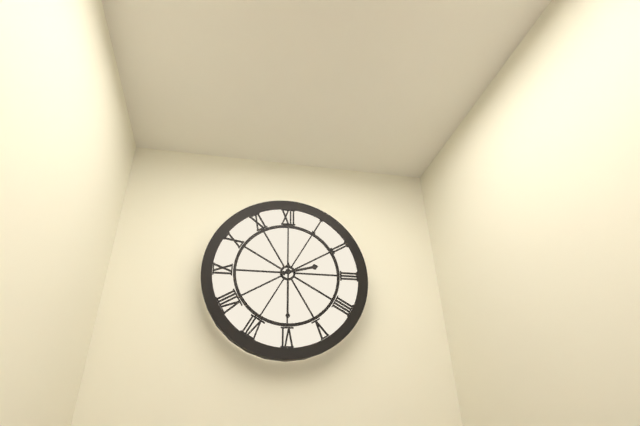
2.30
